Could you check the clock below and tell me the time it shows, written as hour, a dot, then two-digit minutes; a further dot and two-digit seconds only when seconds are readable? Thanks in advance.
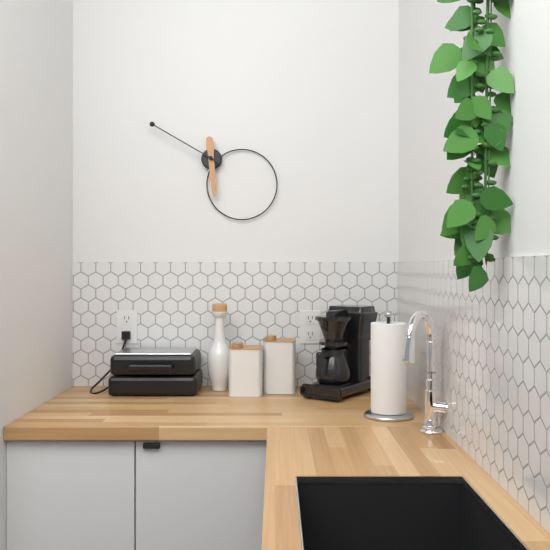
5.50
